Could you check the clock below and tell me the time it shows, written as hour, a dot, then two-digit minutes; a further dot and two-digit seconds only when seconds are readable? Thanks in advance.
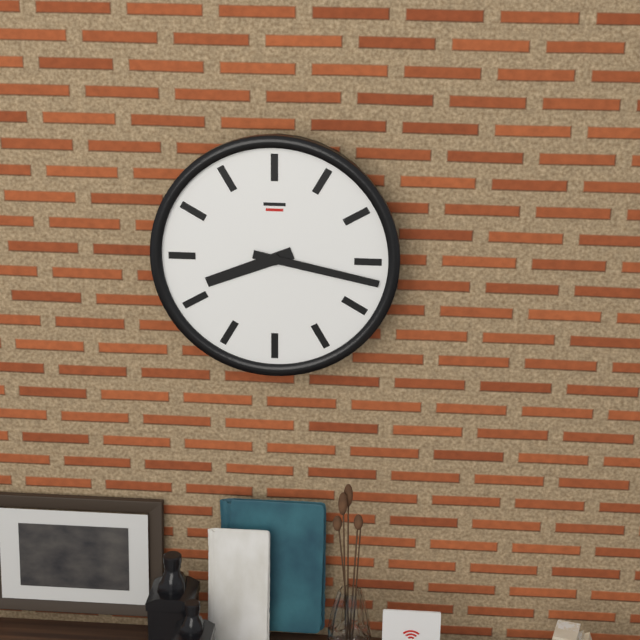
8.17
